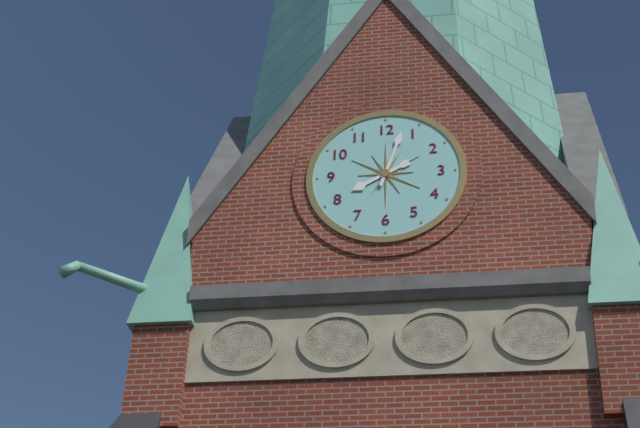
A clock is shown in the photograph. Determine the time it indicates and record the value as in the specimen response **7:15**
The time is **8:03**
